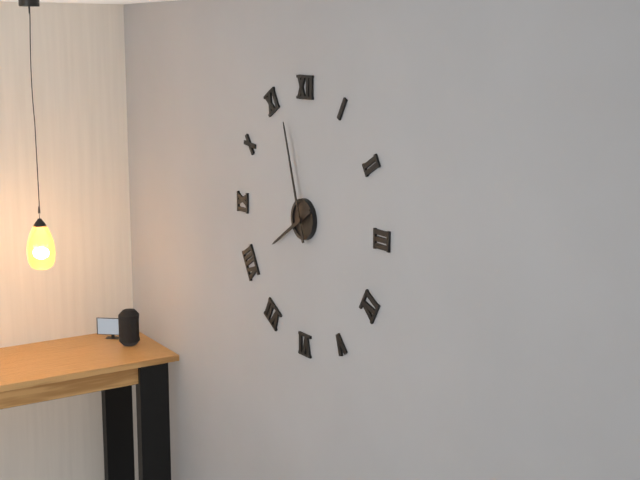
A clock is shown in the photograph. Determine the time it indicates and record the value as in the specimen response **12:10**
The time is **7:57**
